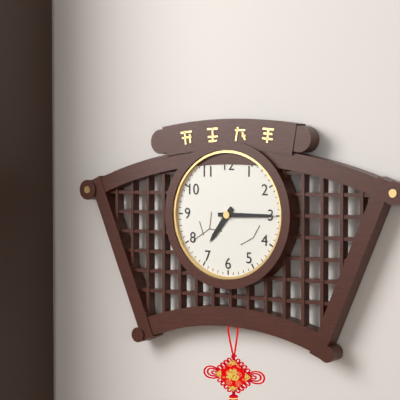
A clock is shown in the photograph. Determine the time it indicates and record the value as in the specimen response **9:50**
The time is **7:15**
